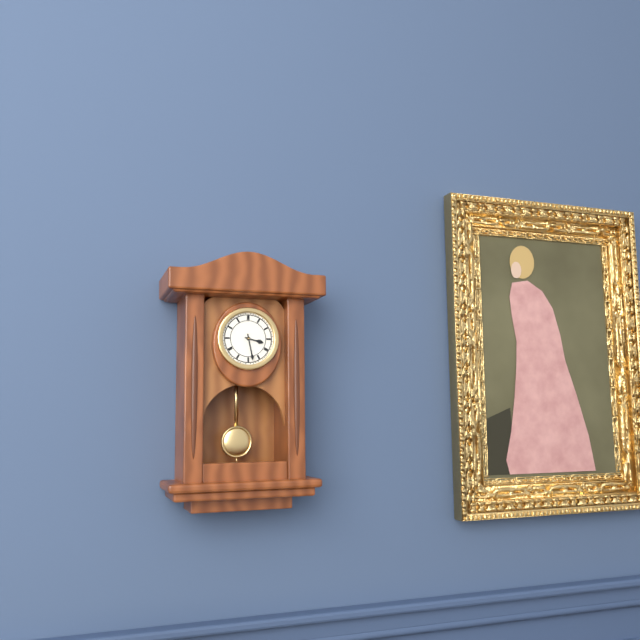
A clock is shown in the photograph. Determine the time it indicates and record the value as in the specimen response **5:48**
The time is **3:28**
